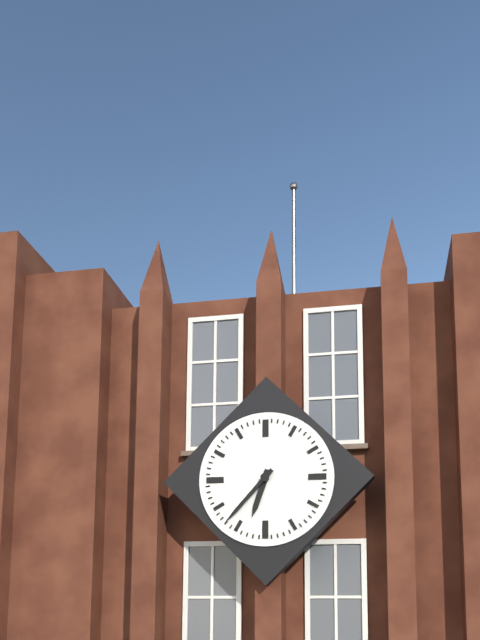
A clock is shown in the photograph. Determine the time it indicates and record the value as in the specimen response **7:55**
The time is **6:37**
